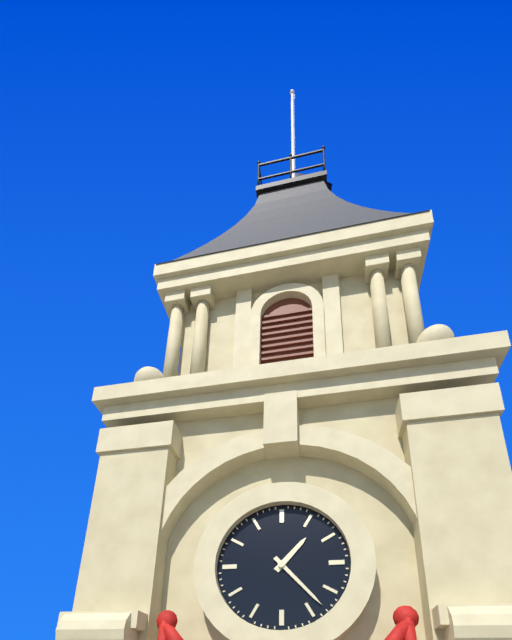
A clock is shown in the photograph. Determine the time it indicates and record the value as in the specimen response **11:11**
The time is **1:23**
